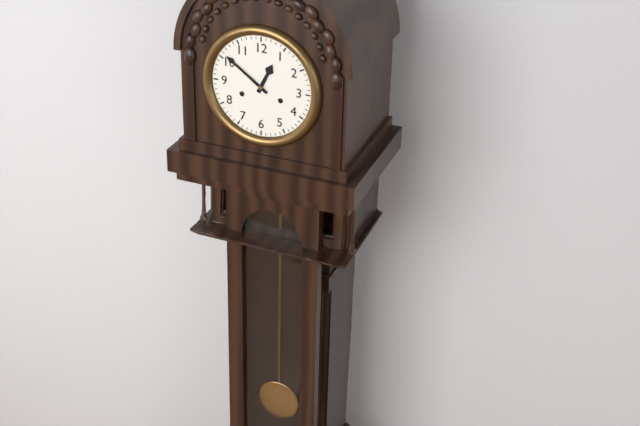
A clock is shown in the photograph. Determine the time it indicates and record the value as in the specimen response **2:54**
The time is **12:51**
